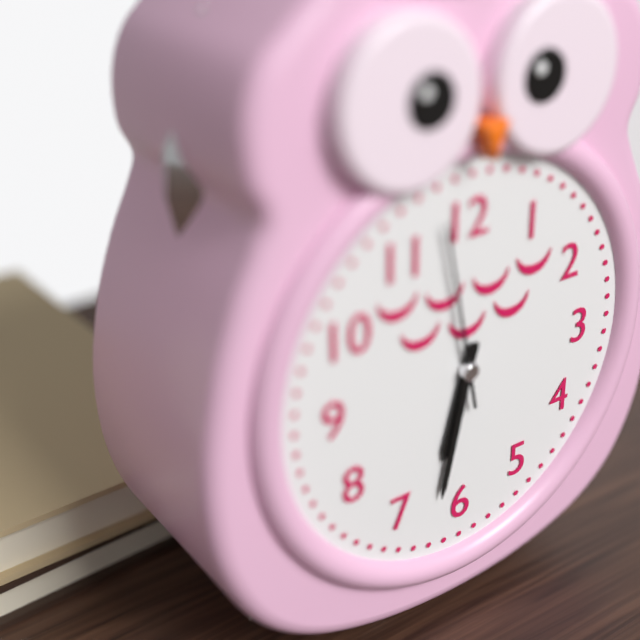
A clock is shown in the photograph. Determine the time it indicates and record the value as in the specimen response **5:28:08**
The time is **6:32:58**
